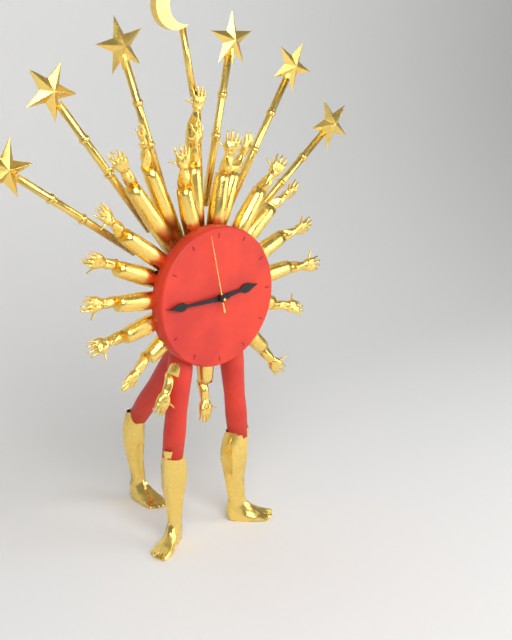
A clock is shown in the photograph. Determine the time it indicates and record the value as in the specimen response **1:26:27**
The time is **2:45:58**
